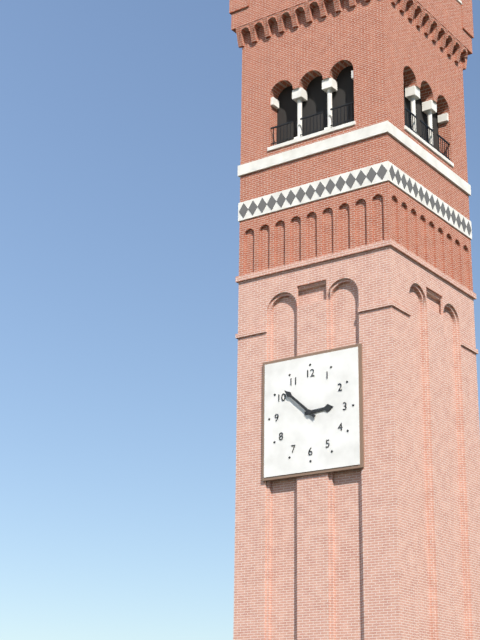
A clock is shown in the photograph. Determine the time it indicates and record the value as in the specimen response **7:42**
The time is **2:52**
